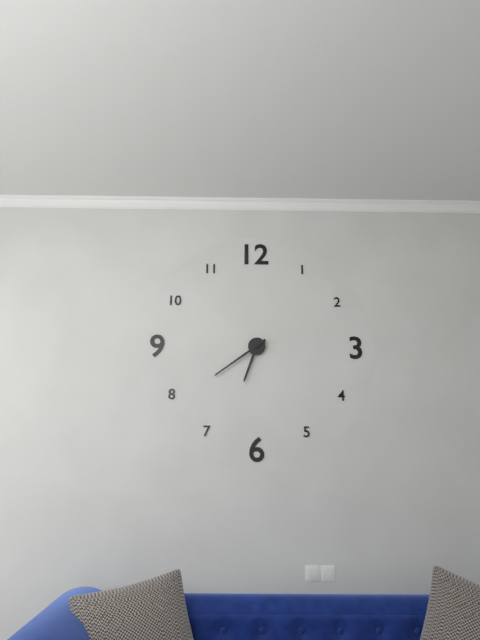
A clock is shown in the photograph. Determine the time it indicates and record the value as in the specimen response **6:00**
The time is **6:39**
